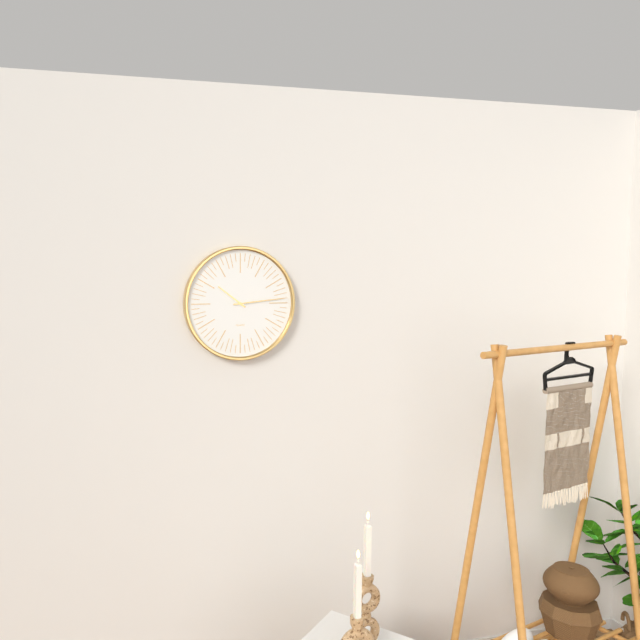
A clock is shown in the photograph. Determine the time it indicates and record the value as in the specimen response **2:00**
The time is **10:14**
